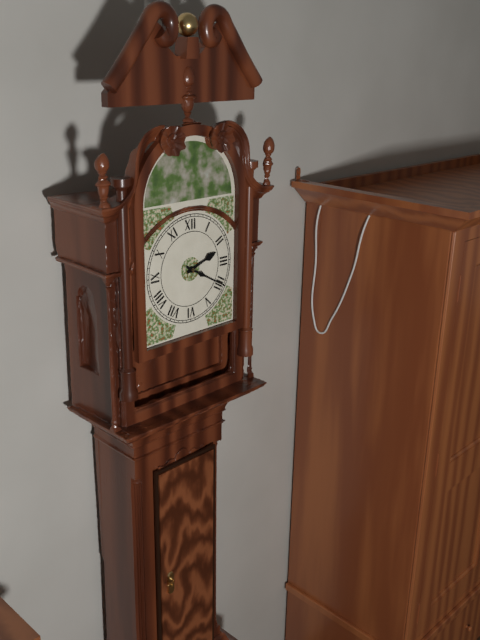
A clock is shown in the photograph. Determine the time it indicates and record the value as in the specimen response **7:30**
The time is **2:20**
